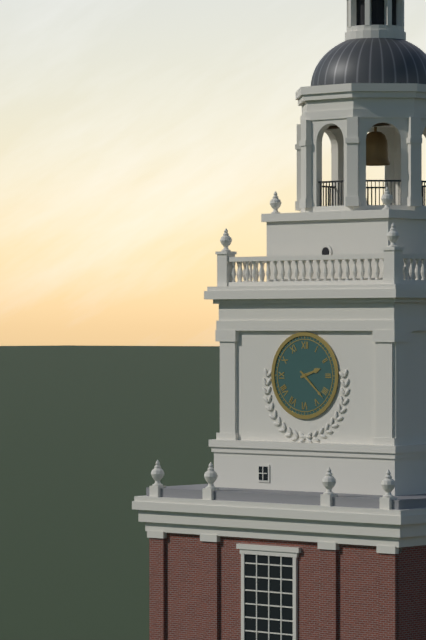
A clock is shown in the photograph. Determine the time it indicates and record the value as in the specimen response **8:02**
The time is **2:22**
